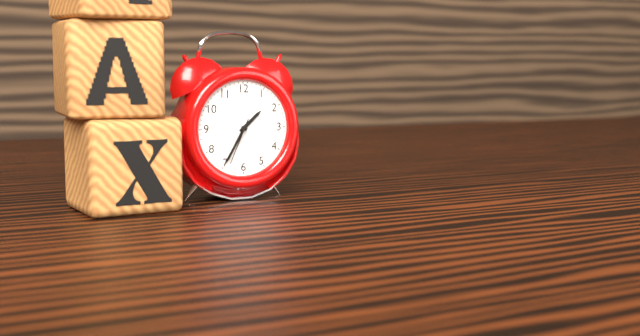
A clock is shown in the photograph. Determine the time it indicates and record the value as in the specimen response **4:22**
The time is **1:35**
